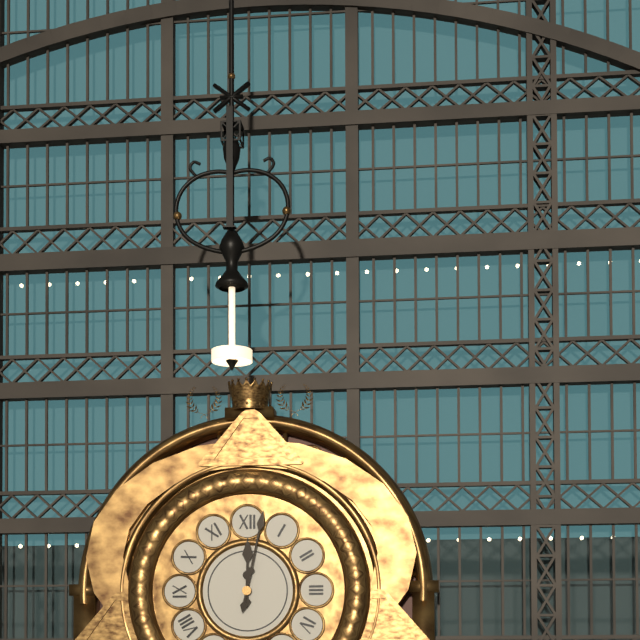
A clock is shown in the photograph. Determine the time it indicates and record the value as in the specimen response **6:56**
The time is **12:02**
